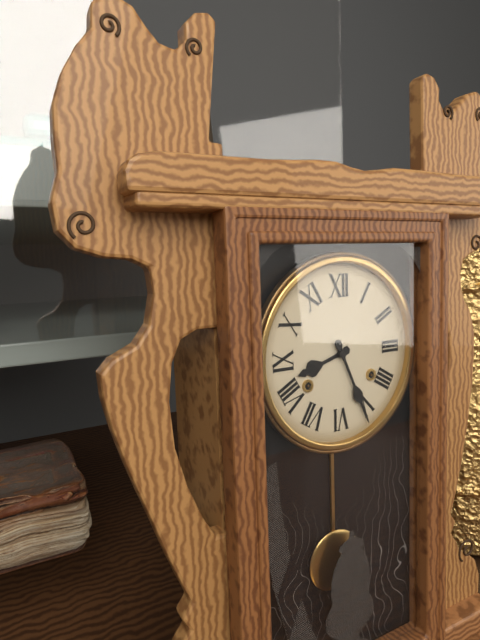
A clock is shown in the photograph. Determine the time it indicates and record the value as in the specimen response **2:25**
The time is **8:26**
